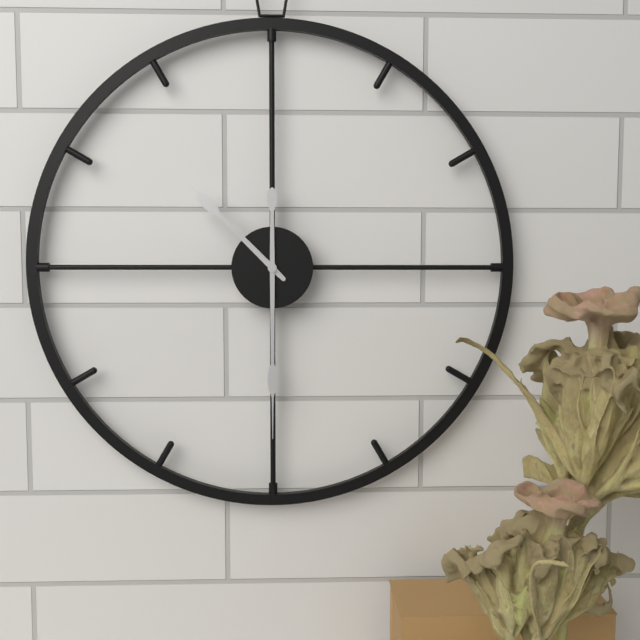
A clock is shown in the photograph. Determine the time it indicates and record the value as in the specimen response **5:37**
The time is **10:30**
